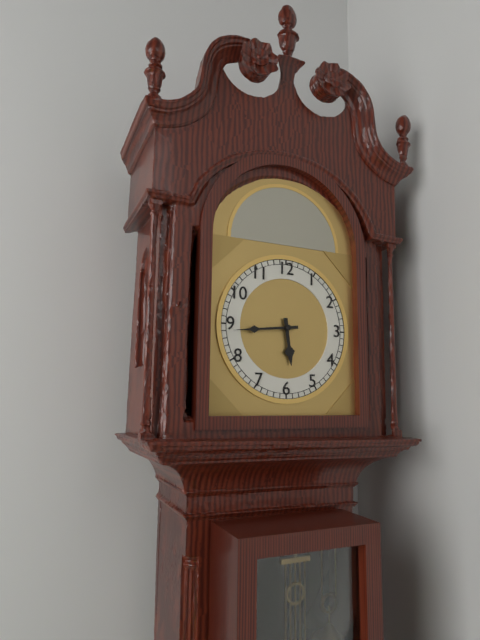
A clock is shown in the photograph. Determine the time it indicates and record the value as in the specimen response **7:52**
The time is **5:44**
